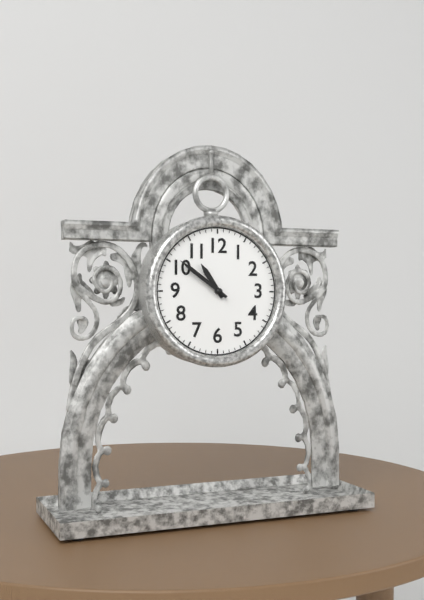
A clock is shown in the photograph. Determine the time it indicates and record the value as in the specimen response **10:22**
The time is **10:51**
